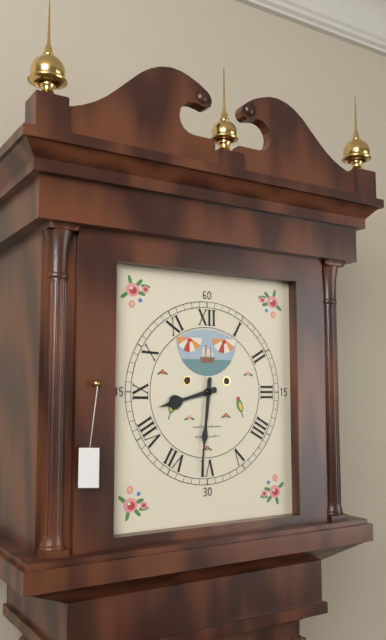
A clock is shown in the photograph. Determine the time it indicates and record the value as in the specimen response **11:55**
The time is **8:31**
